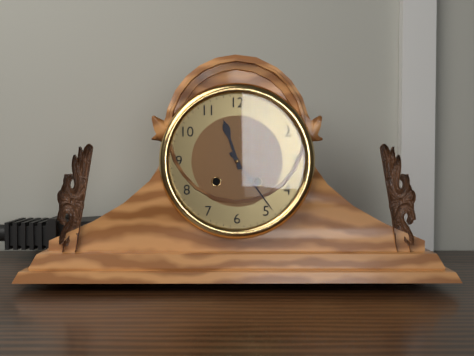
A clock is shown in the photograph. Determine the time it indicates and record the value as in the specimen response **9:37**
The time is **11:24**
